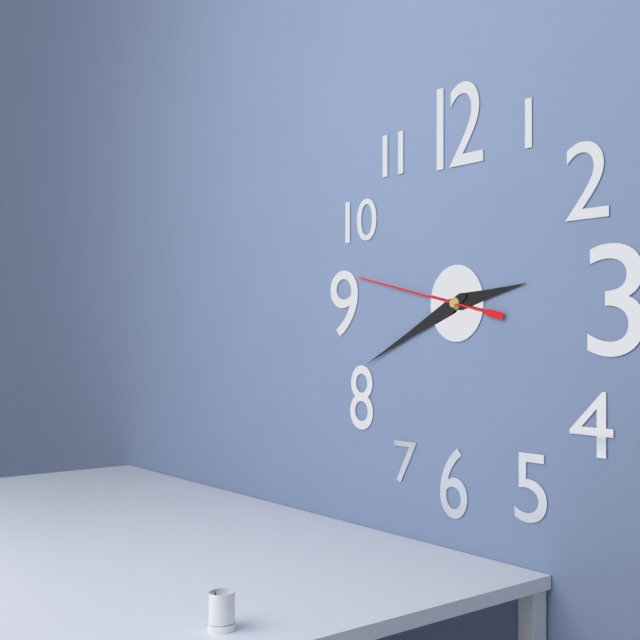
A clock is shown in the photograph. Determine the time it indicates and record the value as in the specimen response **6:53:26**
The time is **2:41:47**
